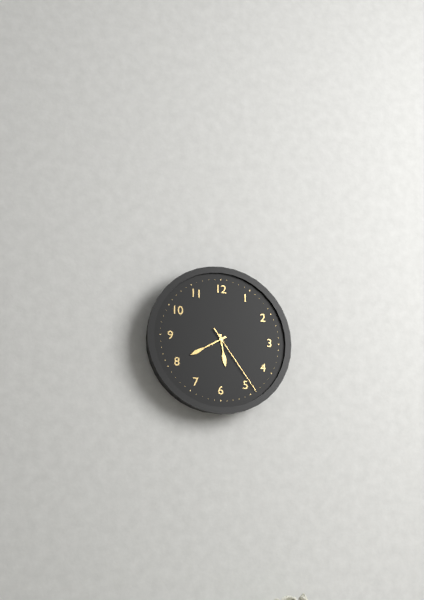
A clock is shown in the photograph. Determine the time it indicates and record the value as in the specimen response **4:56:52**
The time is **5:40:24**
